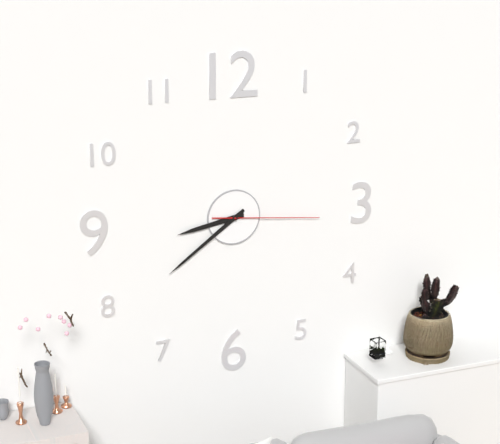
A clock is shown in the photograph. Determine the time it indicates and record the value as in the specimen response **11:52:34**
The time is **8:39:16**
